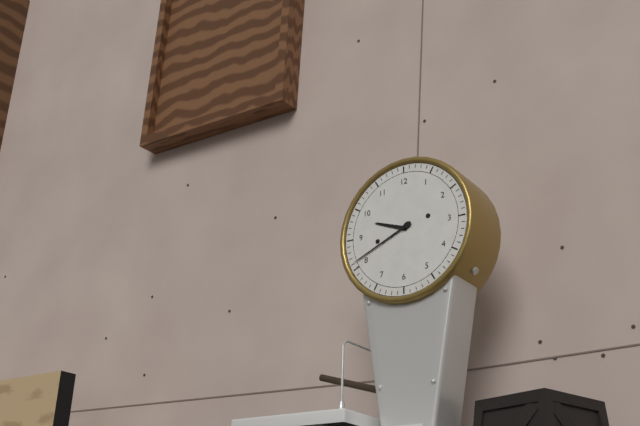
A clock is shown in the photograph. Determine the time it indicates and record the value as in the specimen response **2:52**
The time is **9:41**
